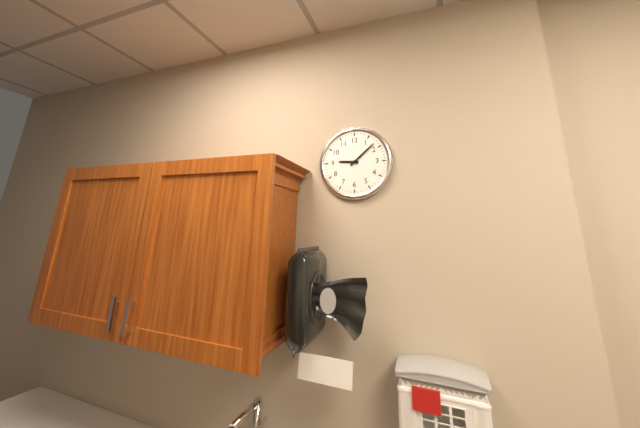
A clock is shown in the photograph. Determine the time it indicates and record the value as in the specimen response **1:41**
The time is **9:08**
